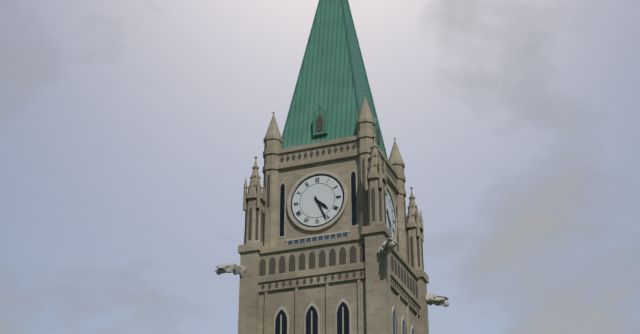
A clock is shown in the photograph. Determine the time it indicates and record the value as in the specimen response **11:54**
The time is **4:26**
